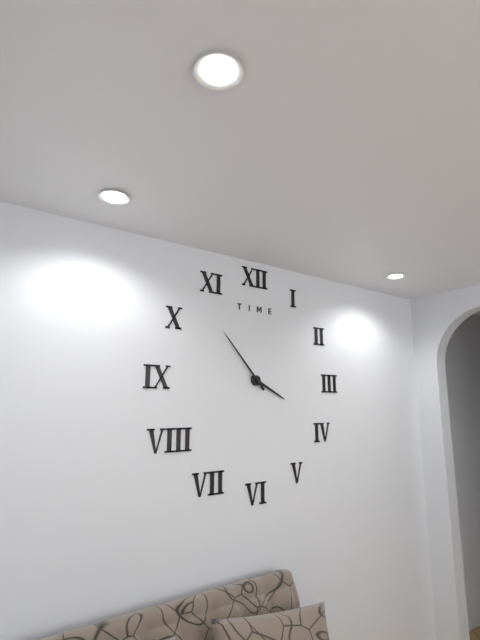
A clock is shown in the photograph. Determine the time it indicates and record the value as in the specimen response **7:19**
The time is **3:53**
